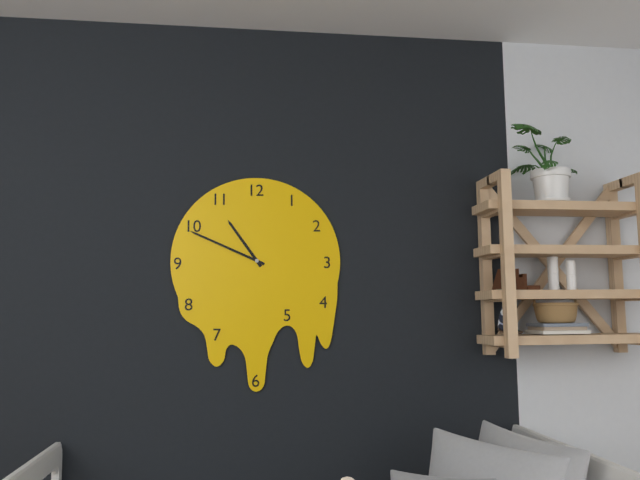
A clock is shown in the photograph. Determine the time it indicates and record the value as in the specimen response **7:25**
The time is **10:49**
